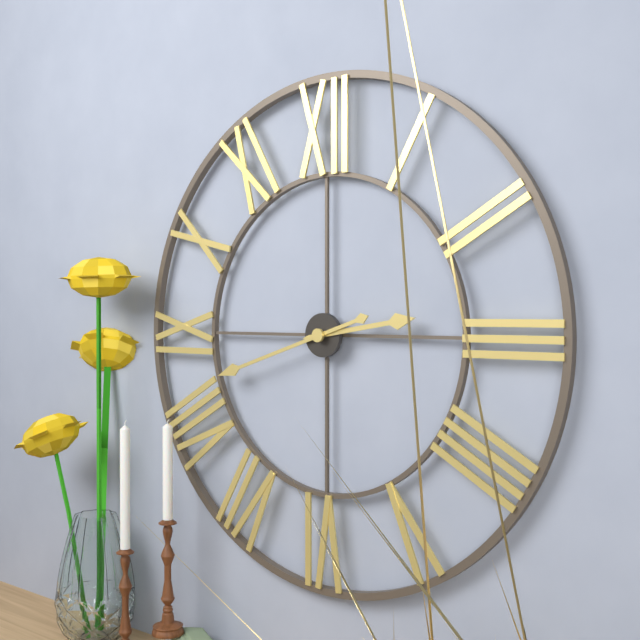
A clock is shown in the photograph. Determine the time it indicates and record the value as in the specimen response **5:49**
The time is **2:42**
